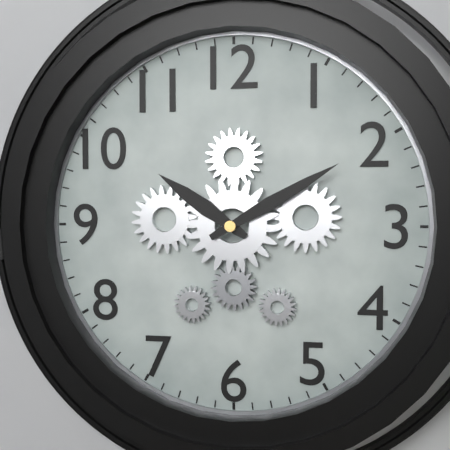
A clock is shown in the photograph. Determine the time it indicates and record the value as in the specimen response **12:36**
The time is **10:10**
